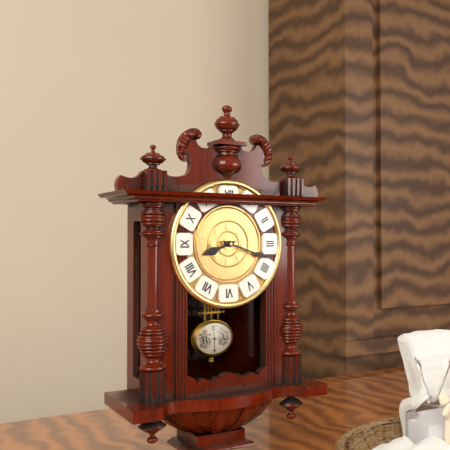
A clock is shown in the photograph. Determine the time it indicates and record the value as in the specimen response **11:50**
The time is **8:18**
